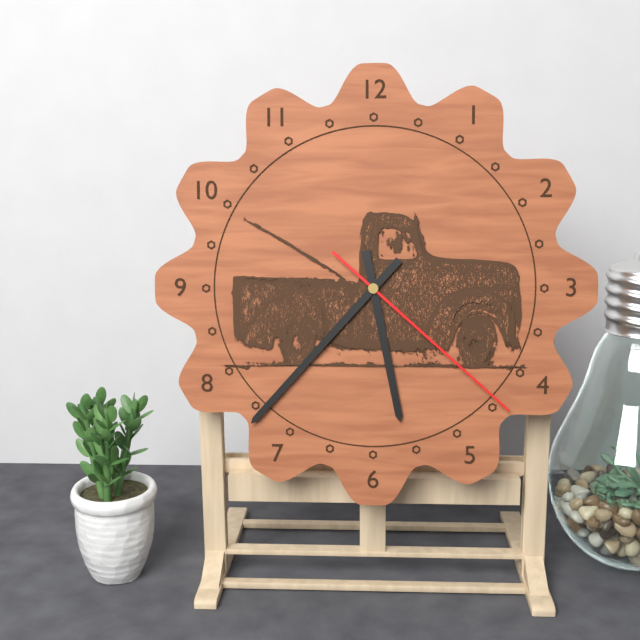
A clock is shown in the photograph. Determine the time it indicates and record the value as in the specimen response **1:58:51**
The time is **5:37:22**
